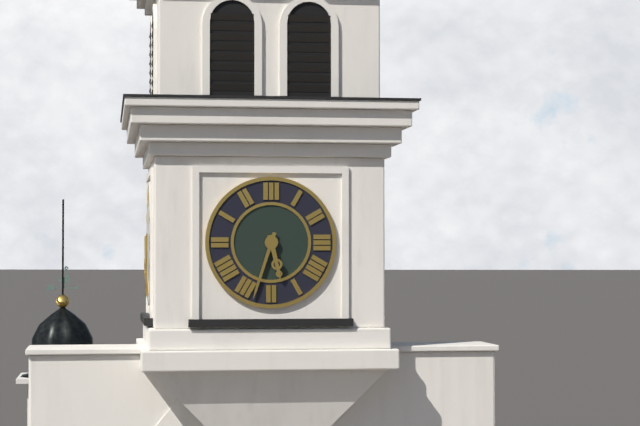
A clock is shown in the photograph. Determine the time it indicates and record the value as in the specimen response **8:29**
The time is **5:33**
